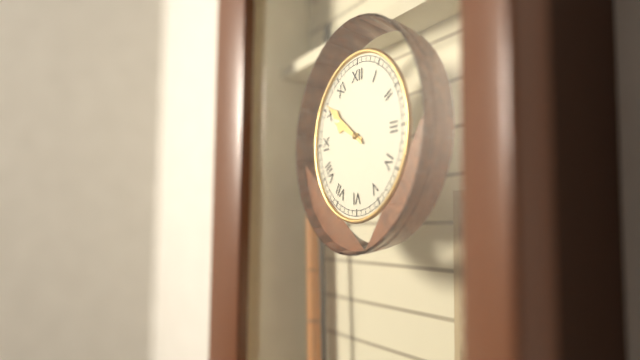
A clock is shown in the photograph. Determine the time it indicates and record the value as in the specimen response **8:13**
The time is **9:51**
